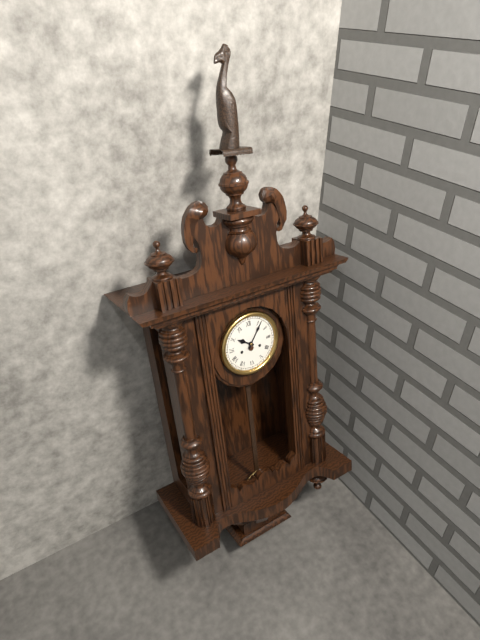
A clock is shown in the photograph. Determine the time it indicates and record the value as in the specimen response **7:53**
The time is **10:06**
